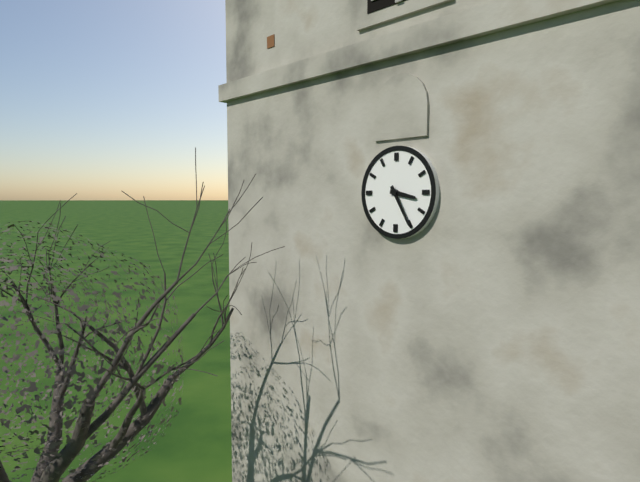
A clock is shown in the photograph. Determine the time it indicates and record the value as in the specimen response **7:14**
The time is **3:25**
